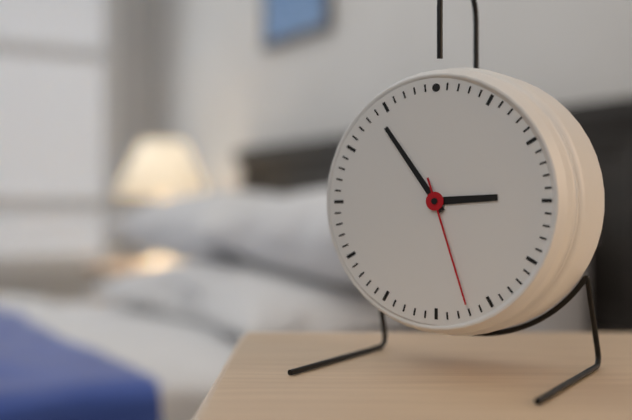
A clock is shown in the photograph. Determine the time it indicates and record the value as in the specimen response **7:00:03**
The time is **2:54:27**
